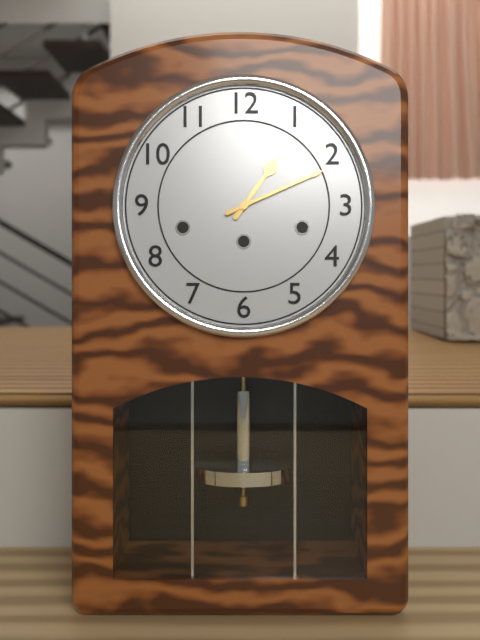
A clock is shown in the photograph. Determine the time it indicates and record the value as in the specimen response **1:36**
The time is **1:11**
